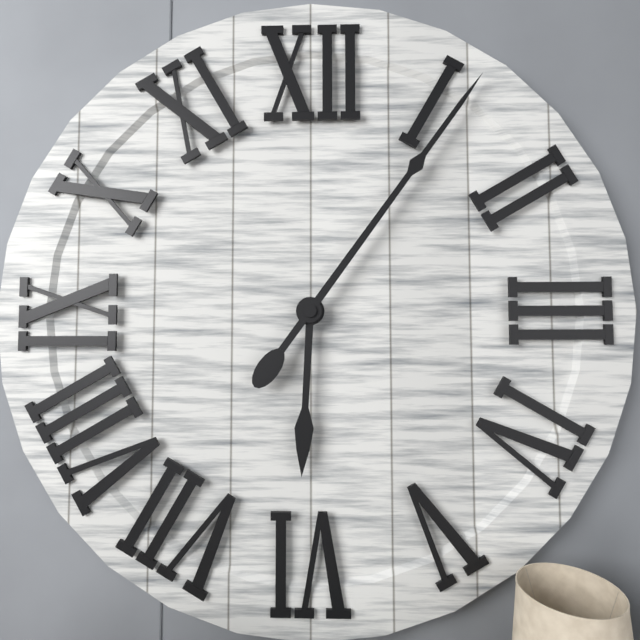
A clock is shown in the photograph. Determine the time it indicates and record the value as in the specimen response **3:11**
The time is **6:06**
